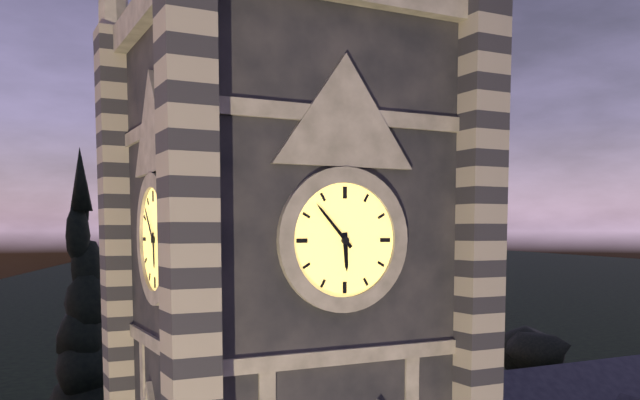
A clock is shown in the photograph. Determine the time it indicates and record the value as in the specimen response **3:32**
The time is **5:53**
